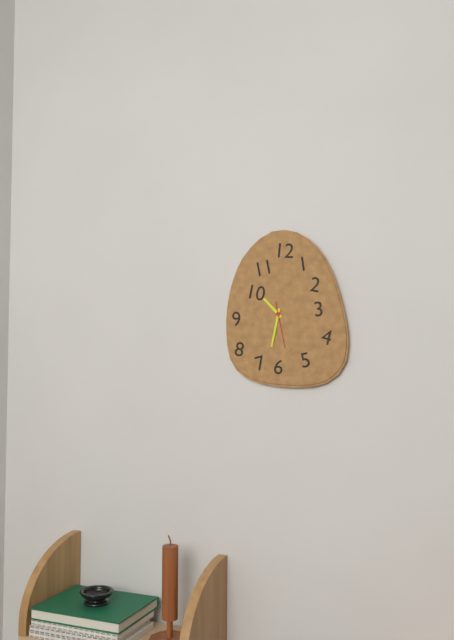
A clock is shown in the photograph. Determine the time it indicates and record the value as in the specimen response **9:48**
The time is **10:32**
